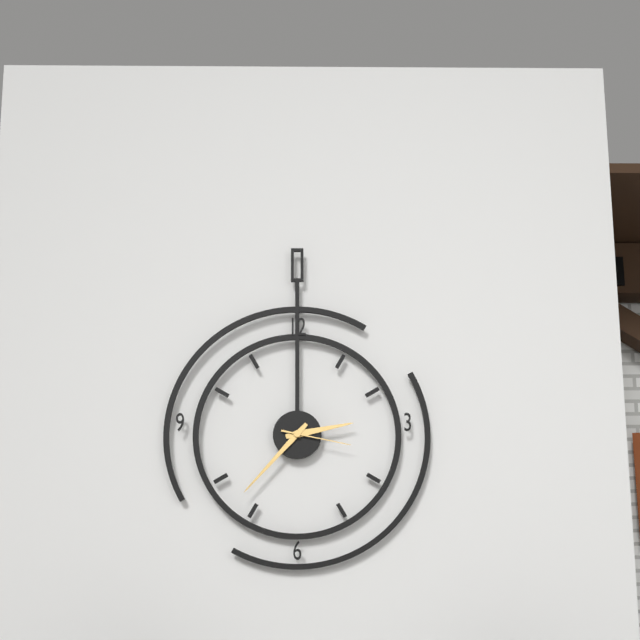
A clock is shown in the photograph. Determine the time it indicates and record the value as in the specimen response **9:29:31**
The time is **2:37:17**
